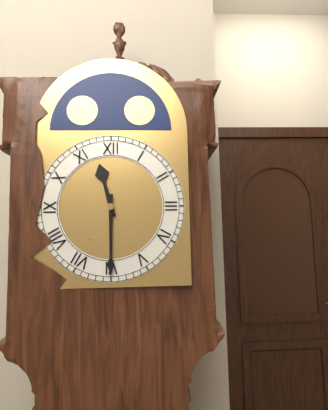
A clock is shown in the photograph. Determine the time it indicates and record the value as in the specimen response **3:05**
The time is **11:30**
